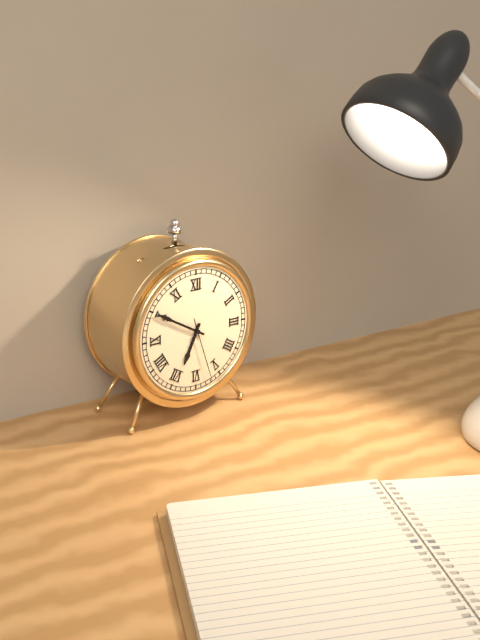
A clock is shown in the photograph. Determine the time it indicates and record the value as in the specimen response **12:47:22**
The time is **6:50:27**
